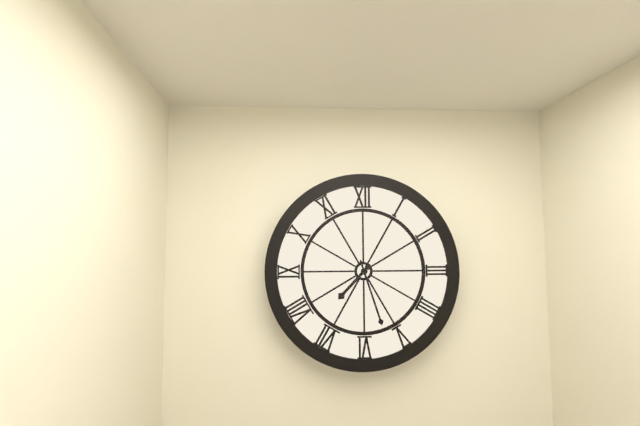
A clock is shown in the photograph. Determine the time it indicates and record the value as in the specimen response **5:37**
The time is **7:27**
